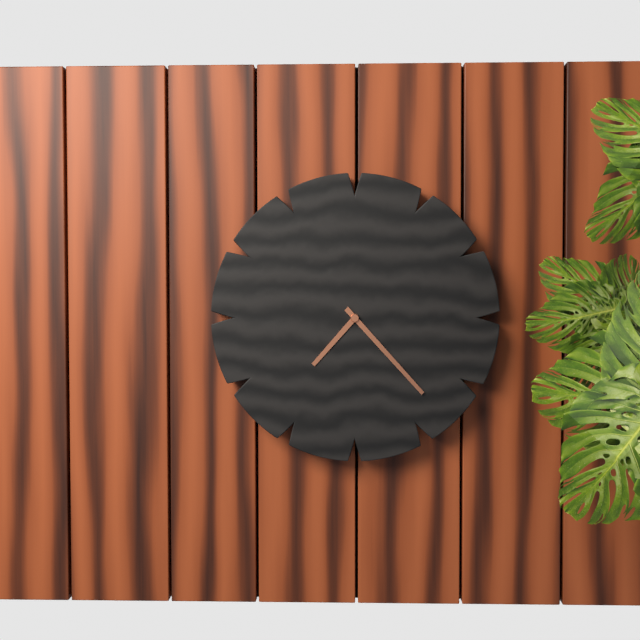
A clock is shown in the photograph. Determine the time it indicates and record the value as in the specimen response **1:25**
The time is **7:23**
